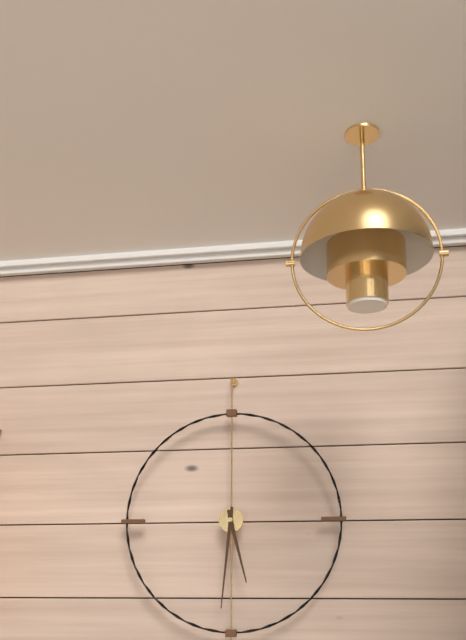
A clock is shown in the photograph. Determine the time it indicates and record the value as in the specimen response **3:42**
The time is **5:31**
